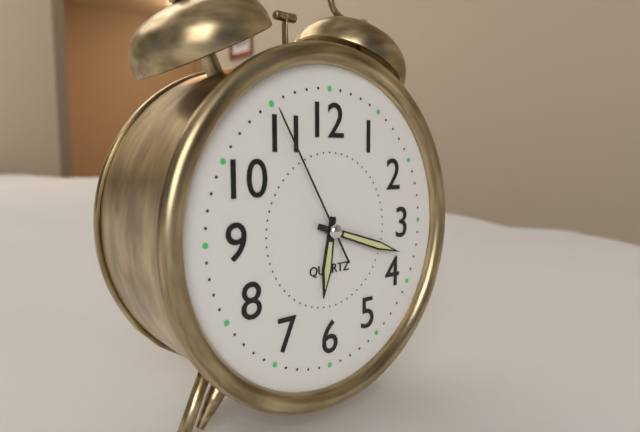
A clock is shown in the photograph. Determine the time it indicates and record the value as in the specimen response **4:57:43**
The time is **6:18:55**
